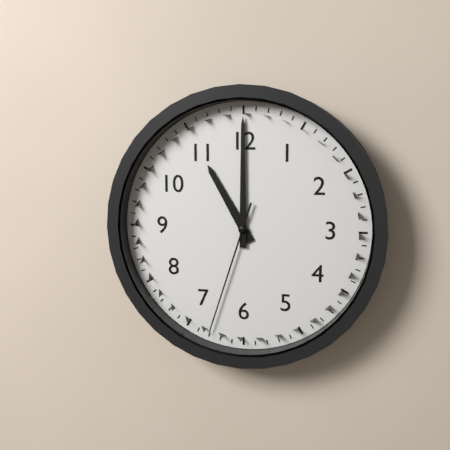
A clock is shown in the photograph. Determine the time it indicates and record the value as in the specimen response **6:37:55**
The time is **11:00:33**
